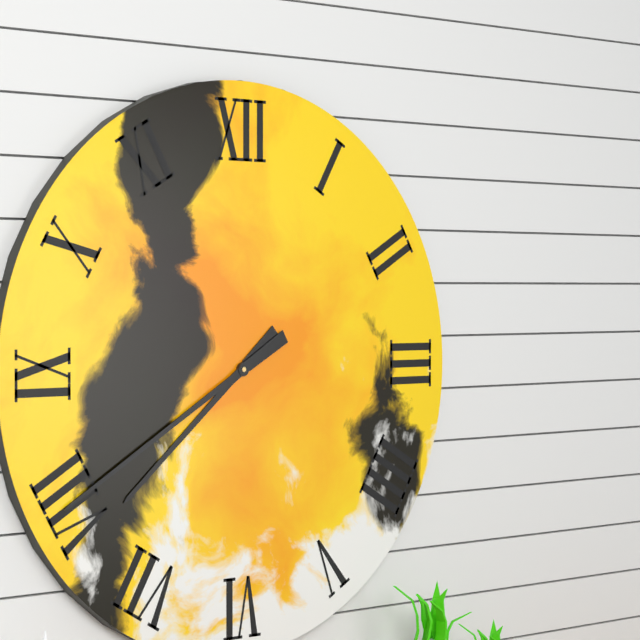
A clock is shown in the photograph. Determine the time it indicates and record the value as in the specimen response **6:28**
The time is **7:40**
